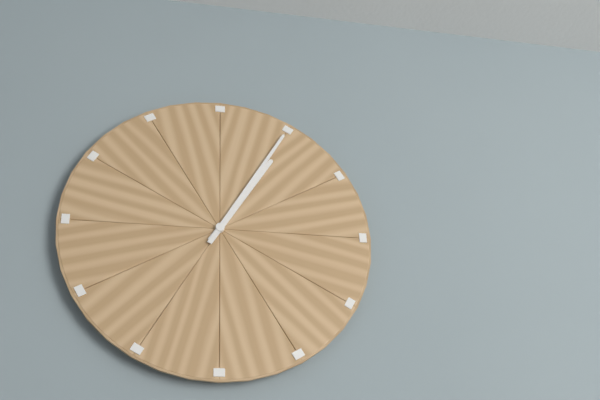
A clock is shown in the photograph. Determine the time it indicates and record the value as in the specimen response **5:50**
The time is **1:05**
